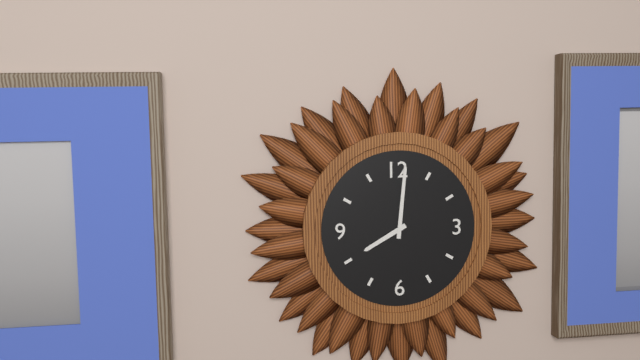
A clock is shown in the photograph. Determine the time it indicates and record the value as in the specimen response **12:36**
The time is **8:01**
